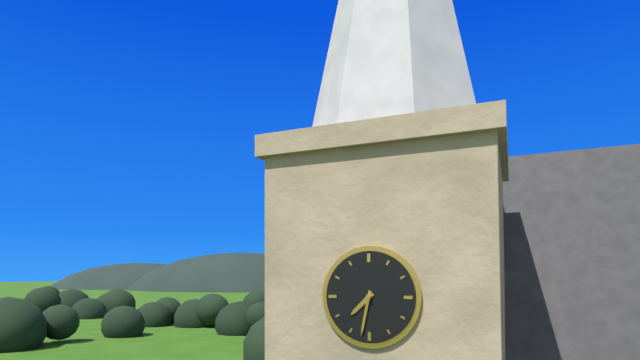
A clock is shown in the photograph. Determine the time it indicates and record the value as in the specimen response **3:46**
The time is **7:32**
